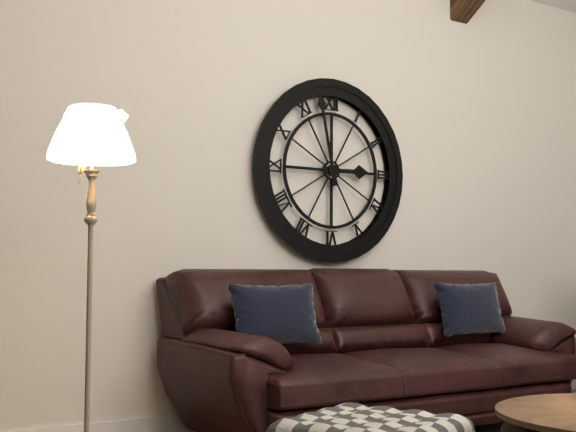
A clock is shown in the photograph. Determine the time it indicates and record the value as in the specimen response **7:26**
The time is **2:58**
